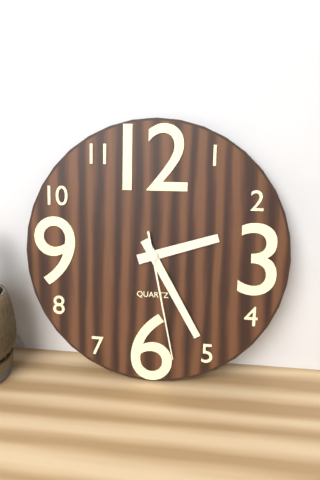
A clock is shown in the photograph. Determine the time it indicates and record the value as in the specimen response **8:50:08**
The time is **2:25:28**
